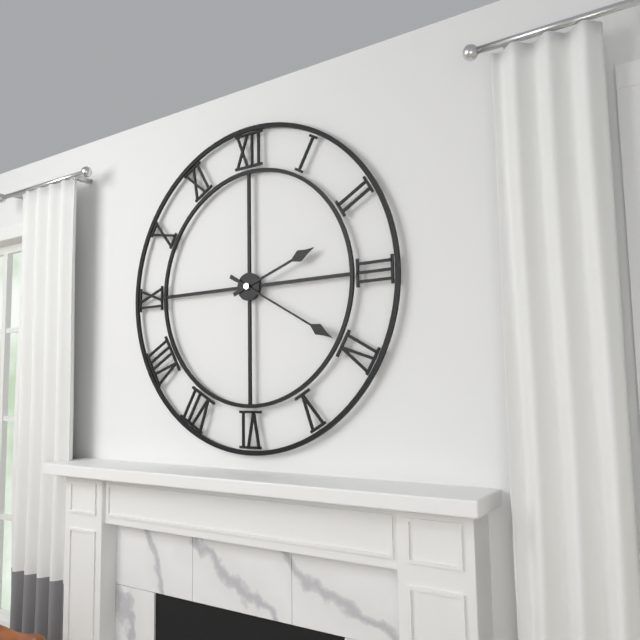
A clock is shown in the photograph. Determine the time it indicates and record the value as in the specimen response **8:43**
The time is **2:20**
